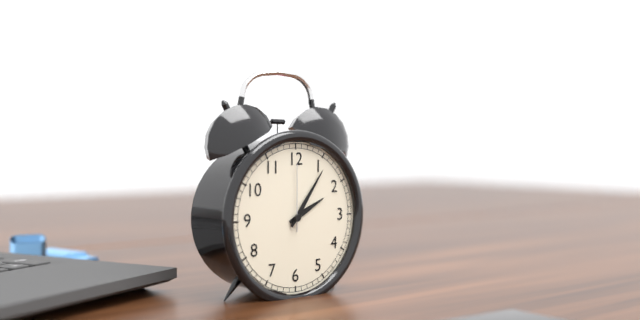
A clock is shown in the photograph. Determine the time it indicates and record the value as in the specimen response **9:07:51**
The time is **2:06:00**
